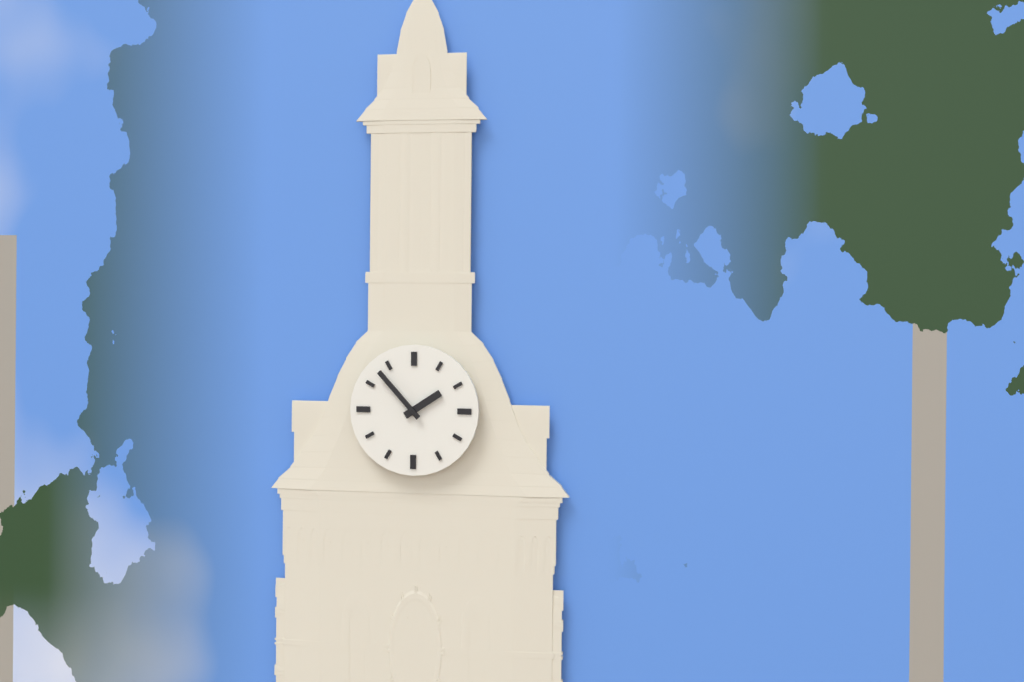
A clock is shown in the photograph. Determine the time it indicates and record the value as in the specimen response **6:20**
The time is **1:53**
